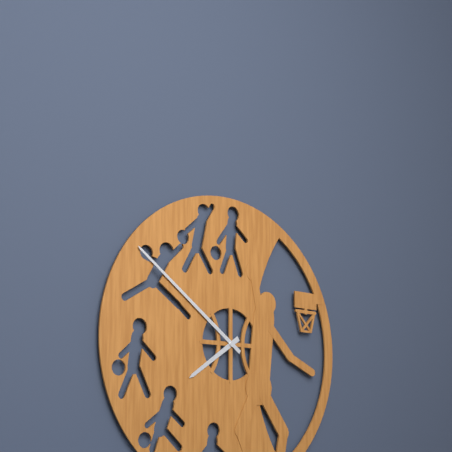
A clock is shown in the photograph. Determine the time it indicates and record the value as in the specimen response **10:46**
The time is **7:51**
